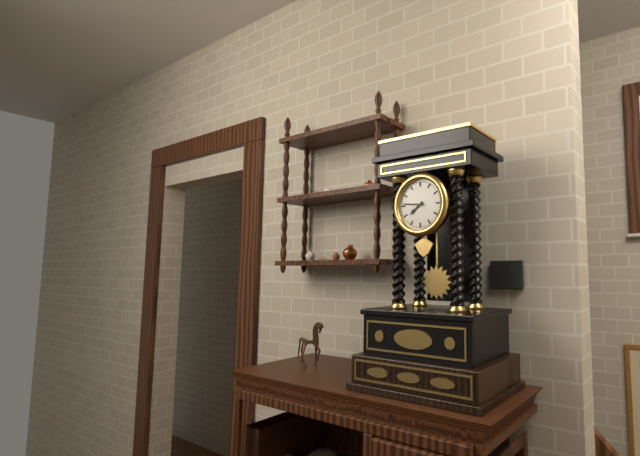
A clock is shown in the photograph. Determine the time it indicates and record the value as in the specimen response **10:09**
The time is **7:46**
